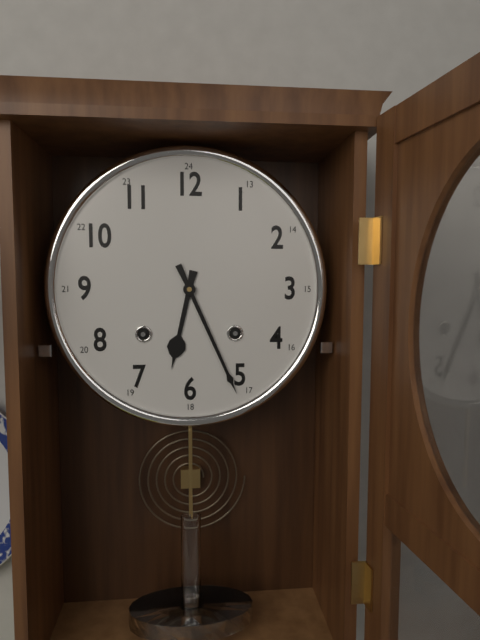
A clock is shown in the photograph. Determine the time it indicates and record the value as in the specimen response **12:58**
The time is **6:26**
